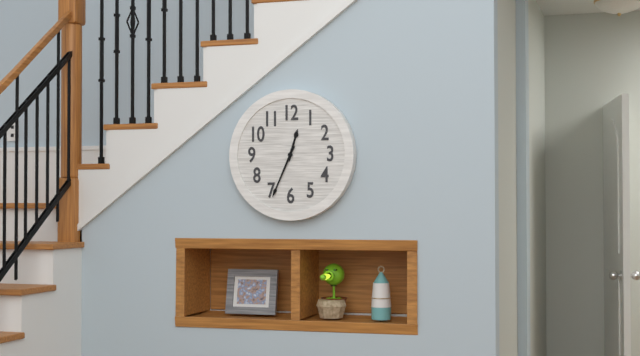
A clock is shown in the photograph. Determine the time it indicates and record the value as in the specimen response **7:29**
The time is **12:34**
